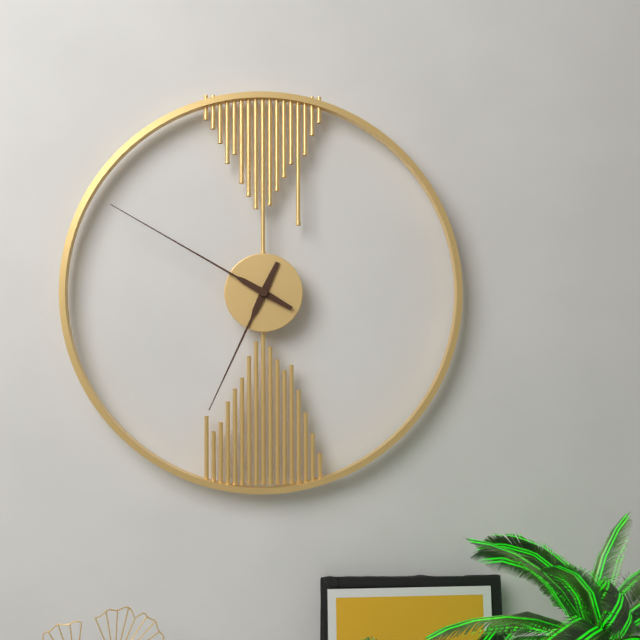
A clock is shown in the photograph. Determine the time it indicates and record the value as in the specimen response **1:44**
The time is **6:50**
